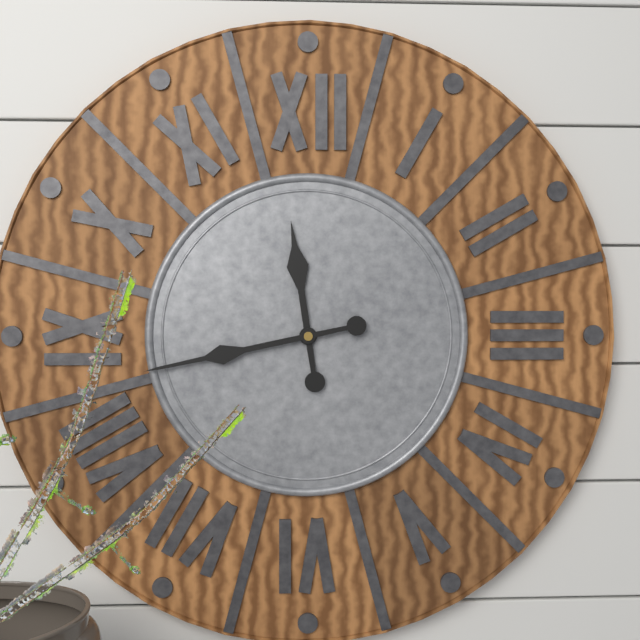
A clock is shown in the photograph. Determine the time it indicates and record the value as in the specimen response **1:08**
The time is **11:43**
